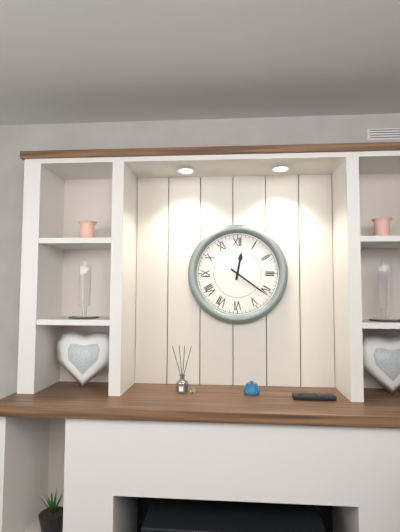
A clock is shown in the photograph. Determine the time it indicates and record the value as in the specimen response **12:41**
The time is **12:21**
